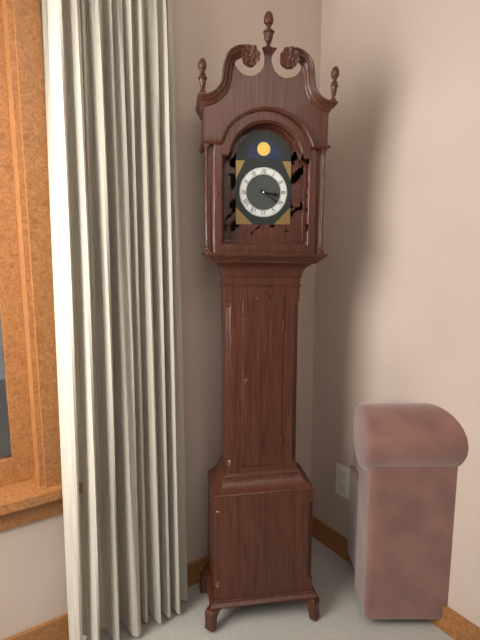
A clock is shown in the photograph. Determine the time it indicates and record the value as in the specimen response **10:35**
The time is **3:21**
